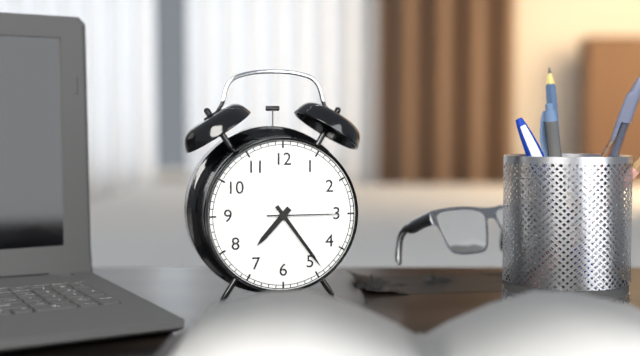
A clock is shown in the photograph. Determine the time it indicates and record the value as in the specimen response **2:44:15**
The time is **7:24:15**
